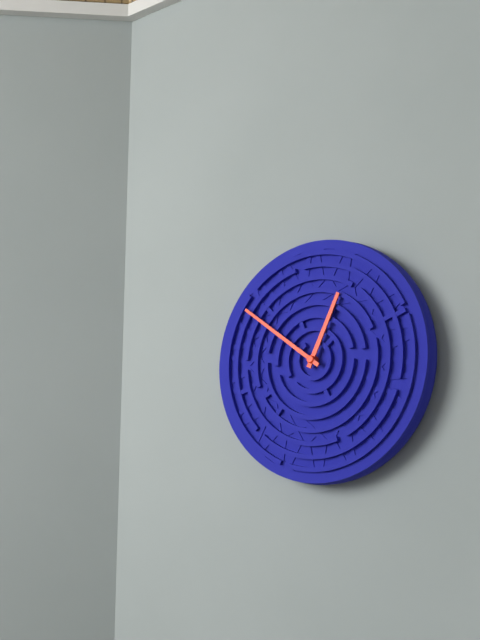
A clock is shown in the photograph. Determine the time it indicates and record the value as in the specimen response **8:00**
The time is **12:51**
